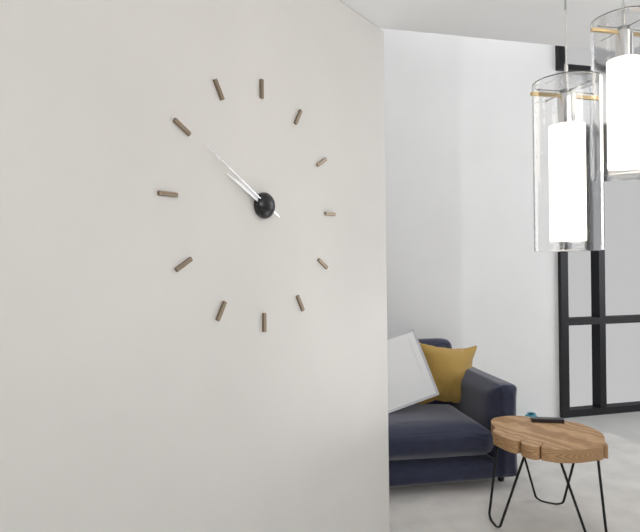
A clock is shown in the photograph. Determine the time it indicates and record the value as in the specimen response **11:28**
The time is **9:50**
